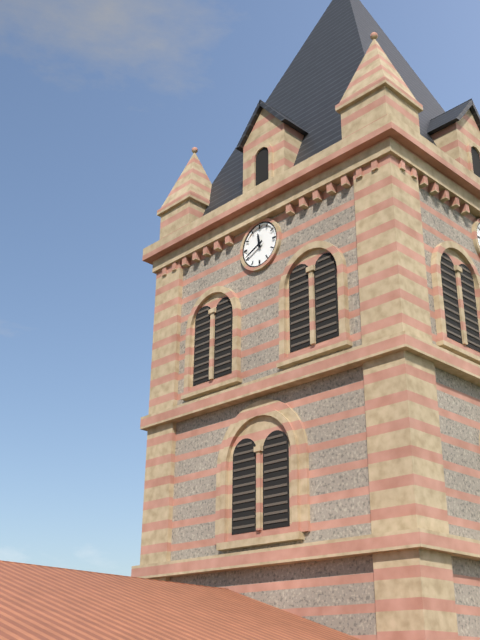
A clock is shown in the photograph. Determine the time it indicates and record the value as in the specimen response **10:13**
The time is **11:41**
